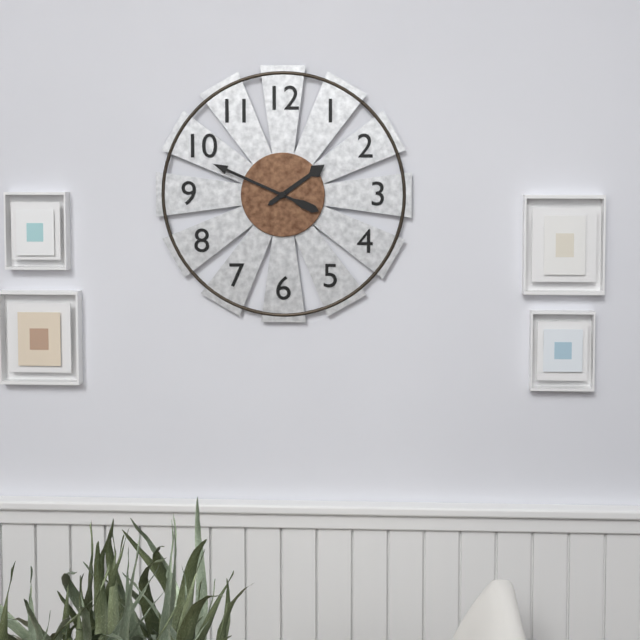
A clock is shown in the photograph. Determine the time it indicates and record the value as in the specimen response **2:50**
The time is **1:49**
